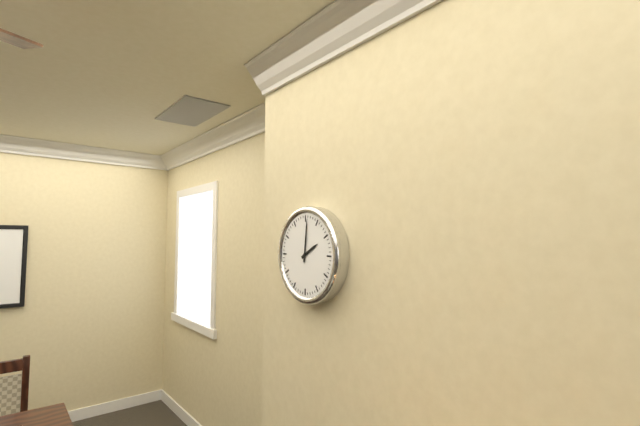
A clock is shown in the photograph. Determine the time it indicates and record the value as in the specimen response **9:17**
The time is **2:01**
